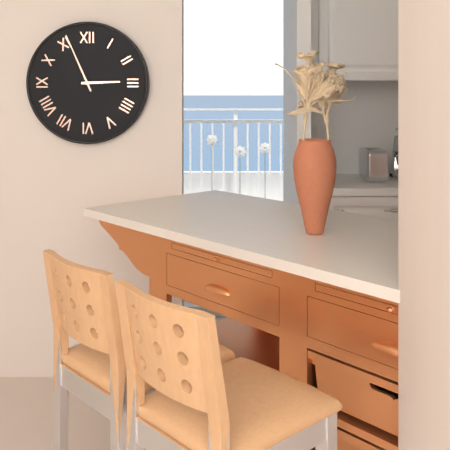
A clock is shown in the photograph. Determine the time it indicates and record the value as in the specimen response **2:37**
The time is **2:56**
